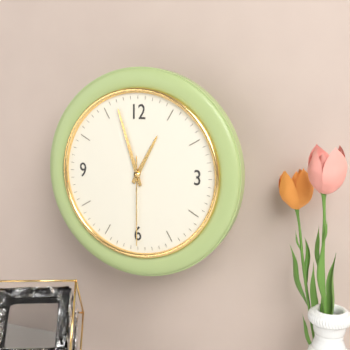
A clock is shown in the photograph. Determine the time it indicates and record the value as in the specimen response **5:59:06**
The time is **12:57:30**
